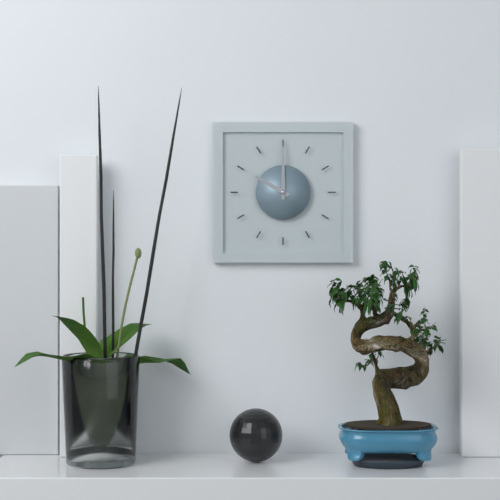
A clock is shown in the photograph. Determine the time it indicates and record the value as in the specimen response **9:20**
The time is **10:00**
